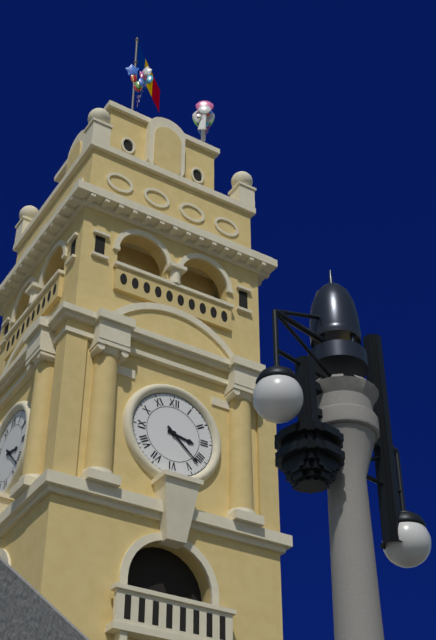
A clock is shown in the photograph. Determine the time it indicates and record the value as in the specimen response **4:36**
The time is **3:22**
